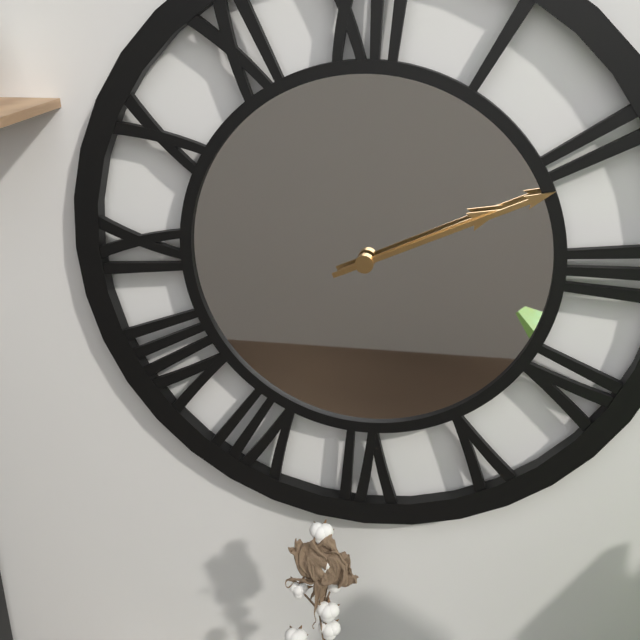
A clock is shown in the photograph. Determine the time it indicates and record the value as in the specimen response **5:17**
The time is **2:11**
